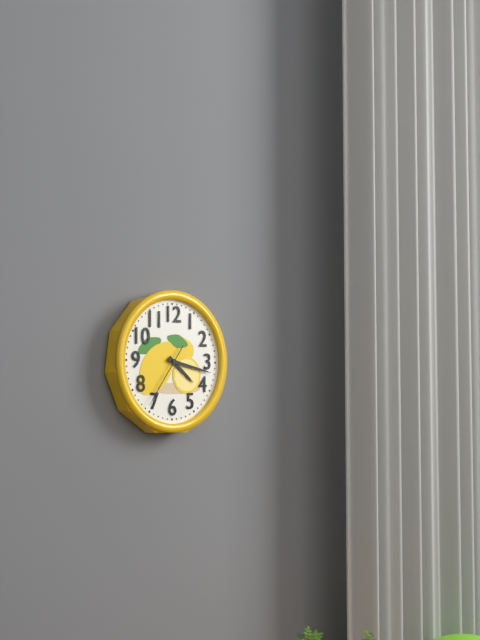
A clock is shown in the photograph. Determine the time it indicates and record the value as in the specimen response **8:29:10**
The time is **4:17:36**
